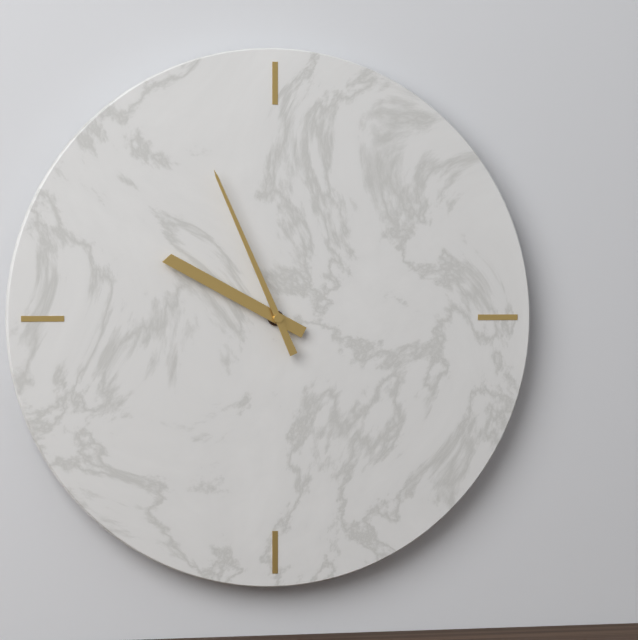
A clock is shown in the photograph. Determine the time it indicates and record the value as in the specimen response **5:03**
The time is **9:56**
